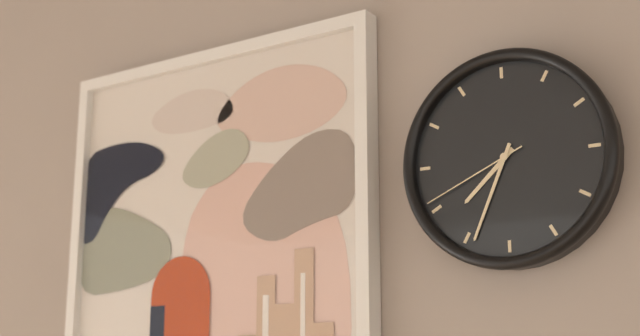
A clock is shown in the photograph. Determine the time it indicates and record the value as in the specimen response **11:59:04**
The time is **7:34:41**
